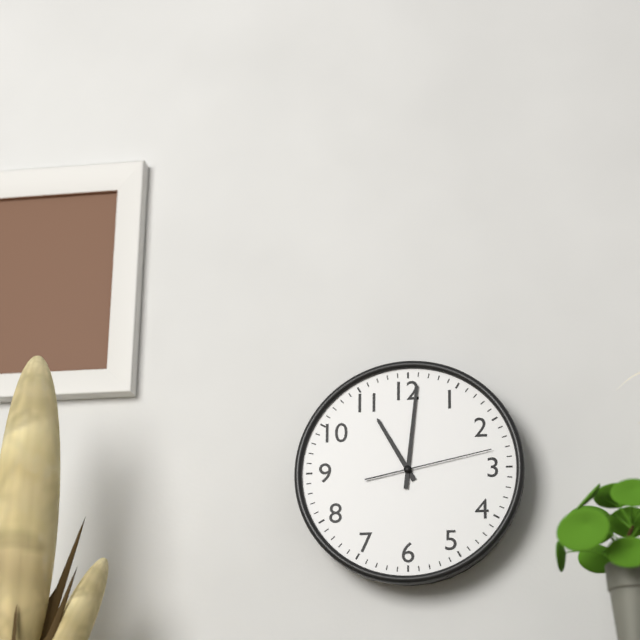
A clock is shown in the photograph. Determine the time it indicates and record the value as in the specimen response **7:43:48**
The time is **11:01:13**
